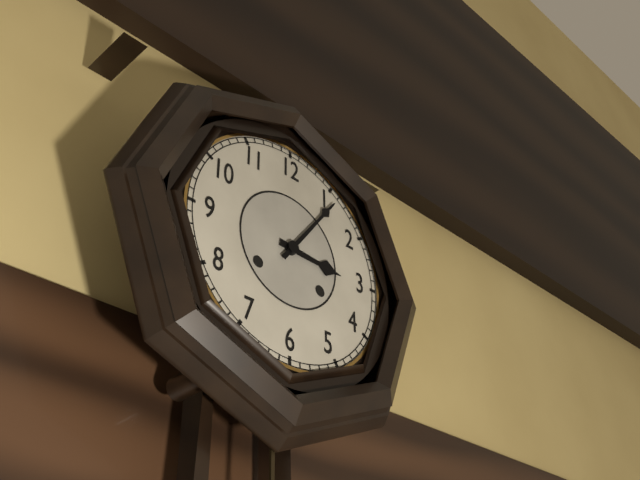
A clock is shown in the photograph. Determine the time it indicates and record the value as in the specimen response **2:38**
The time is **3:06**
